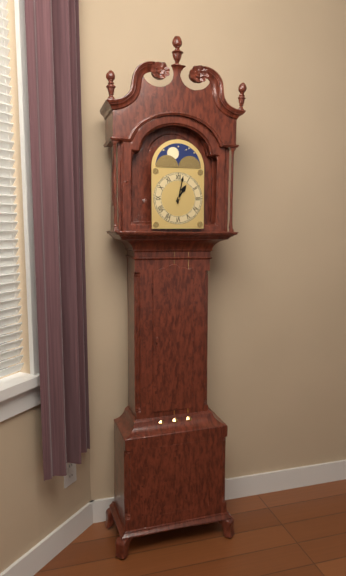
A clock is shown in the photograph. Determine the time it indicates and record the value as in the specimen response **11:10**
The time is **1:02**
